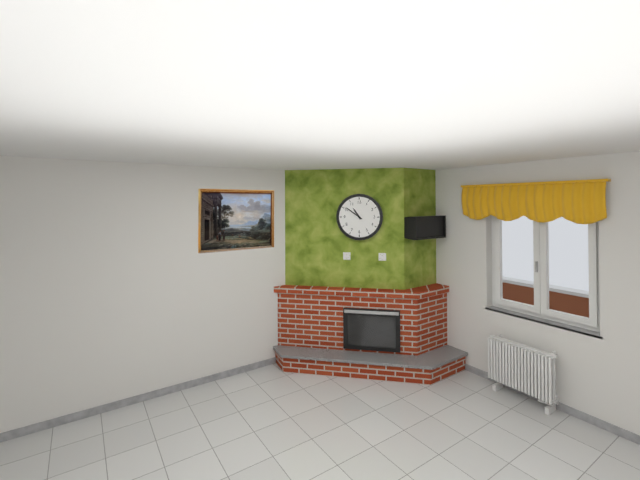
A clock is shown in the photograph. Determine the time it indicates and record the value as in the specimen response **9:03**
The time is **10:51**
